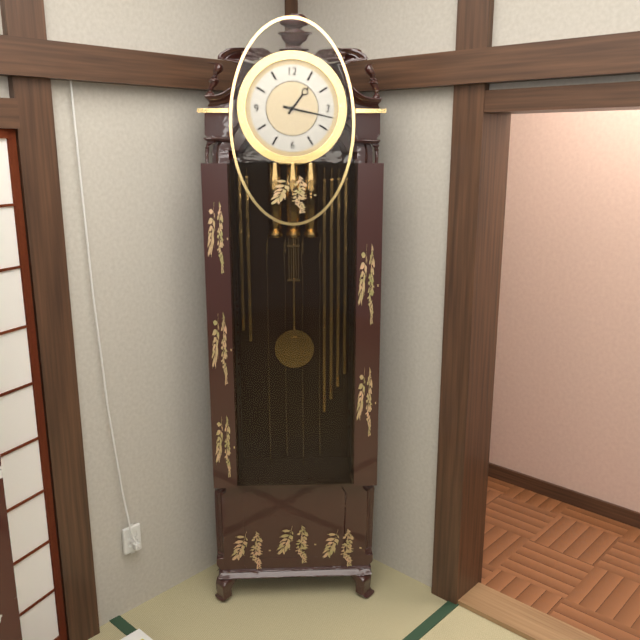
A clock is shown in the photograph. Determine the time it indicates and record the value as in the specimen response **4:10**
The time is **1:17**
